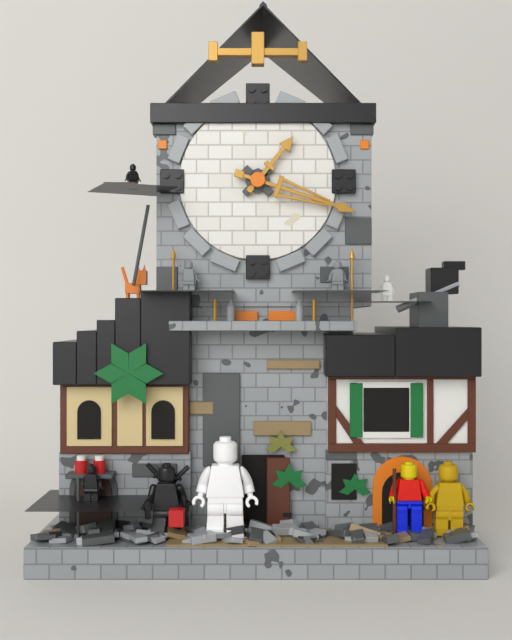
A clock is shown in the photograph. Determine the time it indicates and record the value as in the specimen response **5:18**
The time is **1:18**
